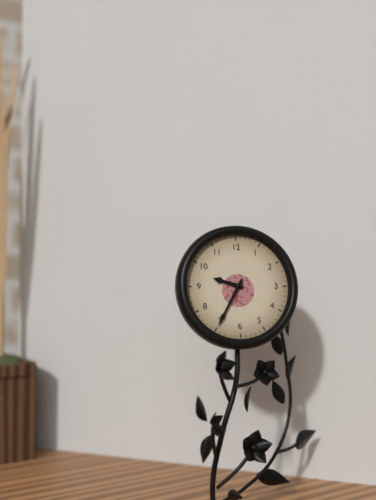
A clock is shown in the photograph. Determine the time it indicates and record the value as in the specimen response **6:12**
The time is **9:35**
